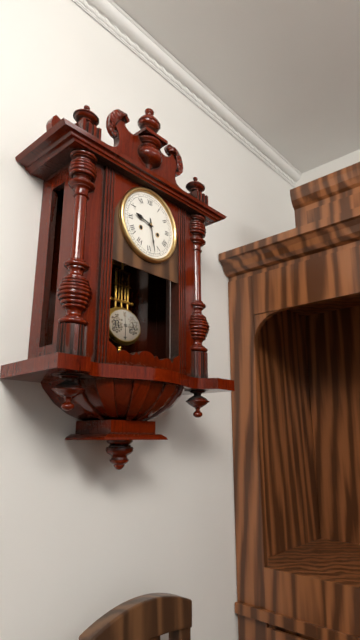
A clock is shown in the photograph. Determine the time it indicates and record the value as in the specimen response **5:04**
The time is **9:28**
